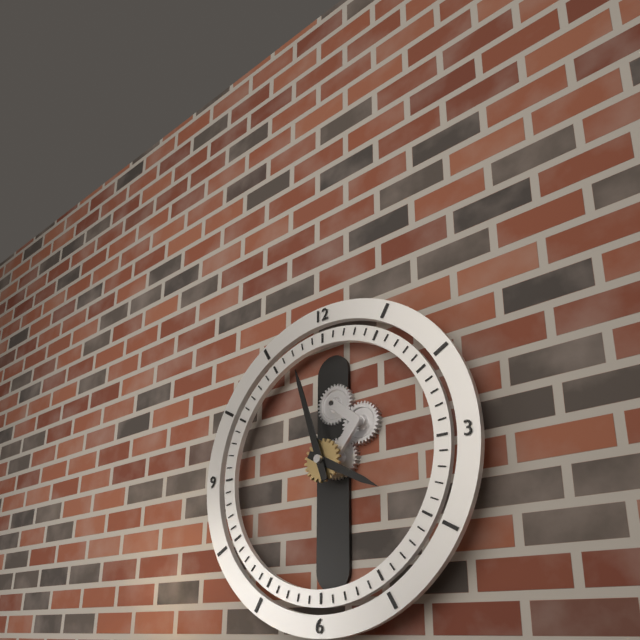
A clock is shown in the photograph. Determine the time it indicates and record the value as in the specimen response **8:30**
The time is **3:57**
